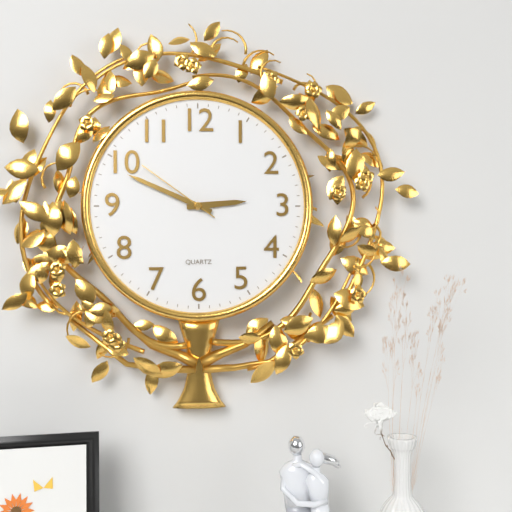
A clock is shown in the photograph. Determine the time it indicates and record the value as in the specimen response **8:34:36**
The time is **2:49:51**
